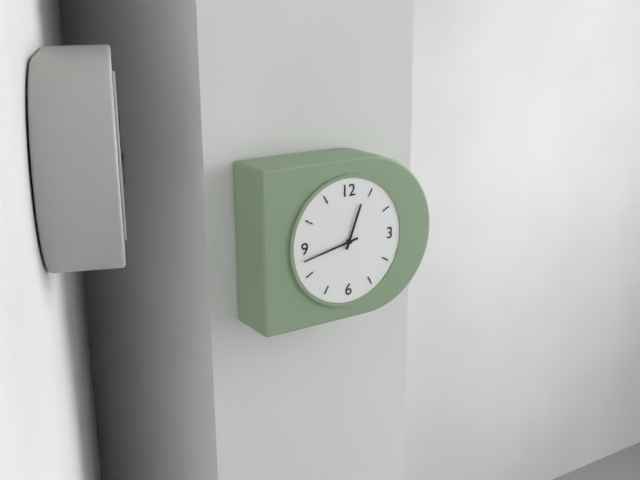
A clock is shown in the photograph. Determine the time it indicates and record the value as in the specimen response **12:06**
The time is **12:43**
